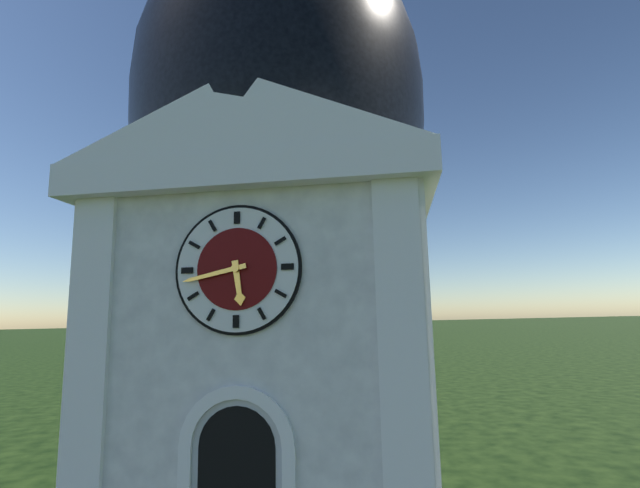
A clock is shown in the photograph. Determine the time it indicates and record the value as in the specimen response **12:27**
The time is **5:43**
